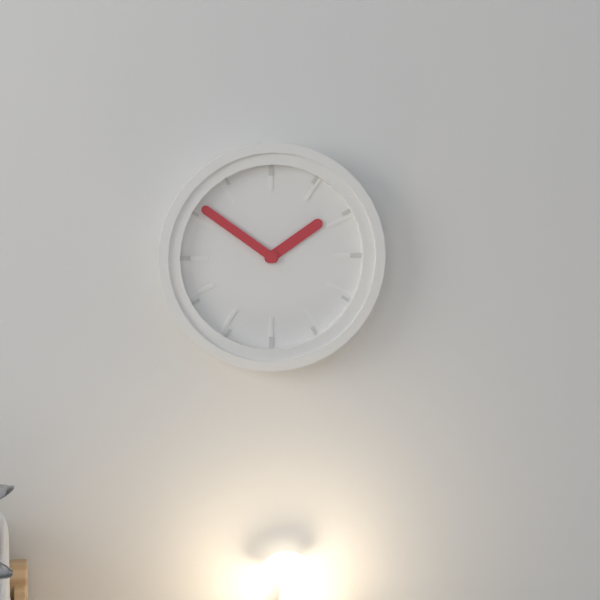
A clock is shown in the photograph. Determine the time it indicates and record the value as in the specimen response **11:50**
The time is **1:51**
